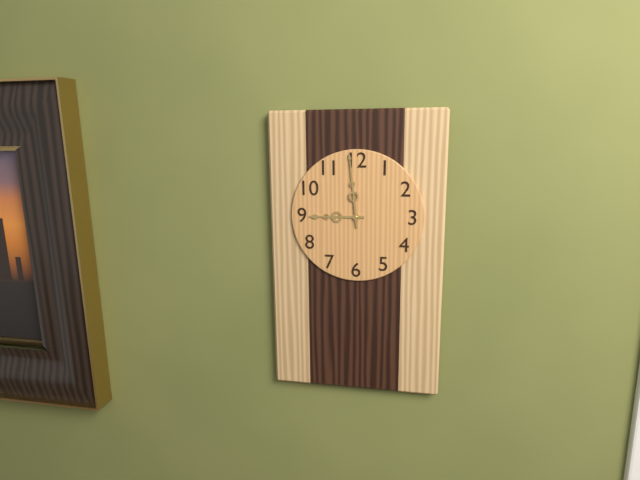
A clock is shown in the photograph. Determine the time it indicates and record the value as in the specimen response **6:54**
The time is **8:59**
